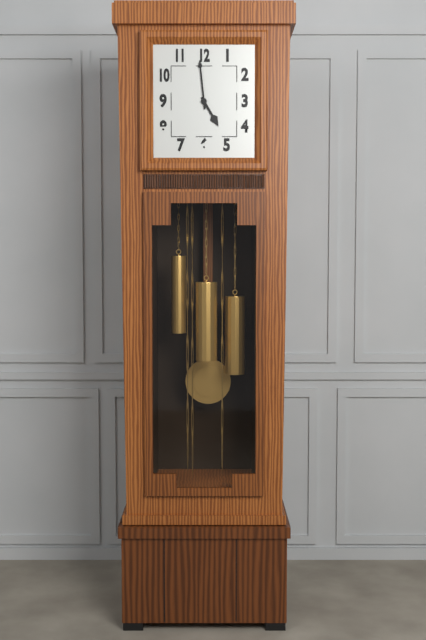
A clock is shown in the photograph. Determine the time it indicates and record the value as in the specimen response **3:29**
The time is **4:59**
